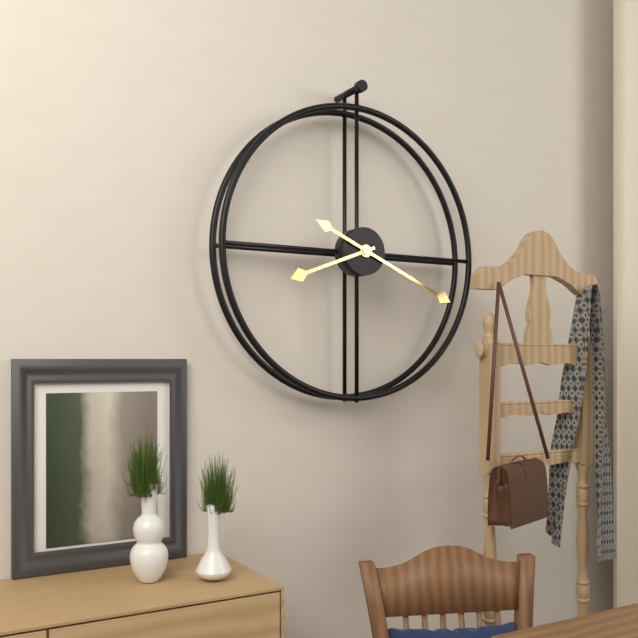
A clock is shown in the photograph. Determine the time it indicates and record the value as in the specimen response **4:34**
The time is **8:19**
